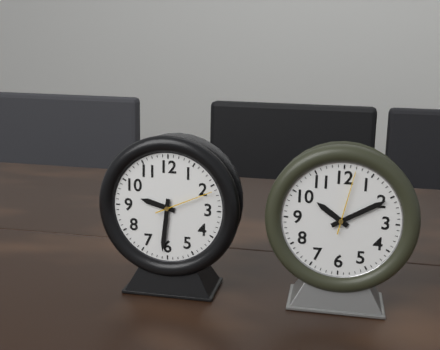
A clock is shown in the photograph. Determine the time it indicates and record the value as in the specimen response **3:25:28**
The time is **9:31:11**
